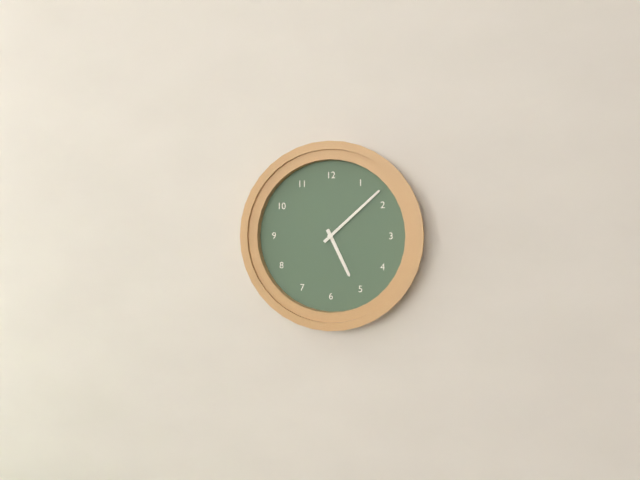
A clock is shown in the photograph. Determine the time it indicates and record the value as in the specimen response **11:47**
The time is **5:08**
